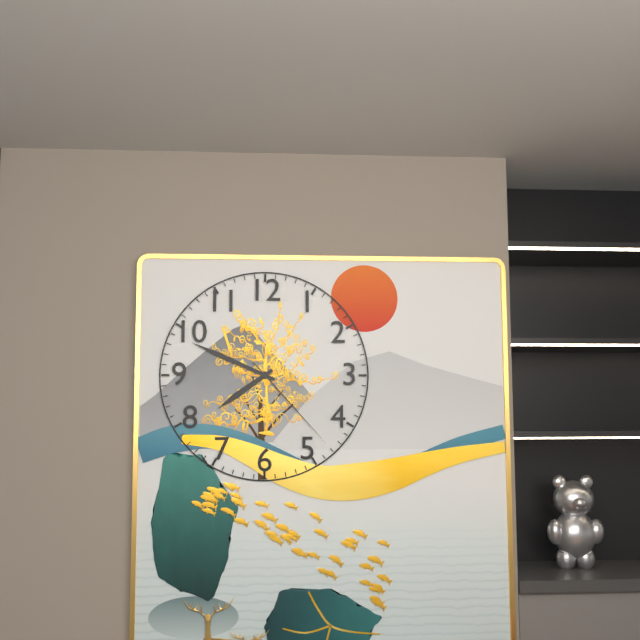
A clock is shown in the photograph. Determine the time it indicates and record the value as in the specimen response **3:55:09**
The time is **7:49:23**
